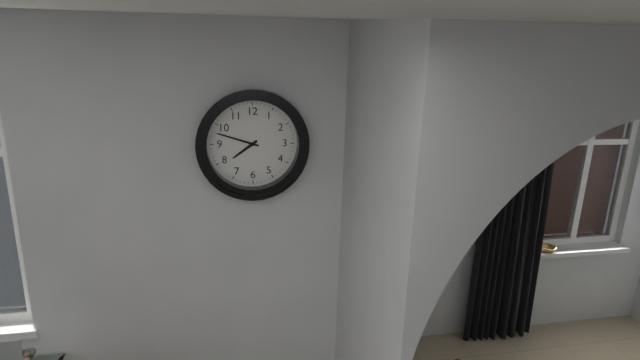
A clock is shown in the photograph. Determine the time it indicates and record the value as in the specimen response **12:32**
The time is **7:48**
